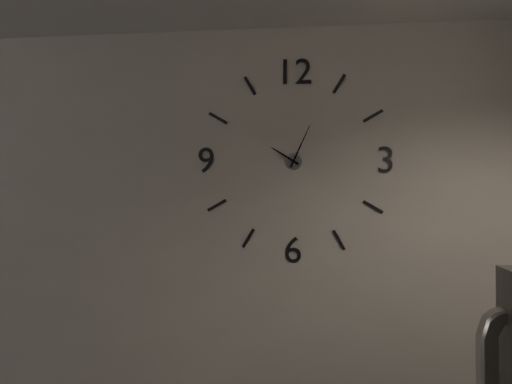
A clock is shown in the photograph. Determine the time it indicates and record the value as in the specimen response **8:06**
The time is **10:04**
